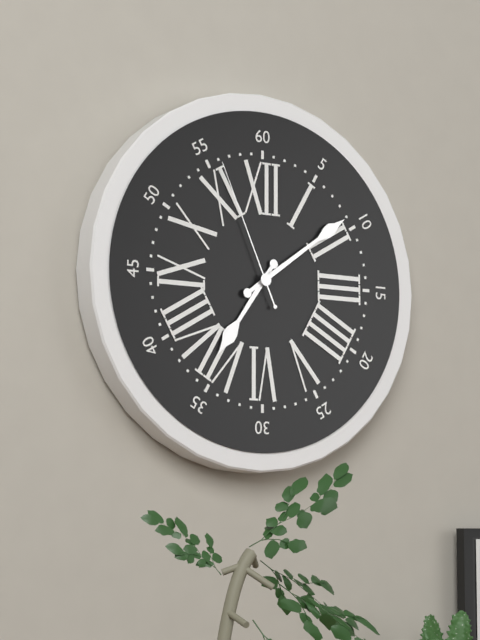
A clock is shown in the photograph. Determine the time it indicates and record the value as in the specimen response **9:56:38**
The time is **7:09:56**
